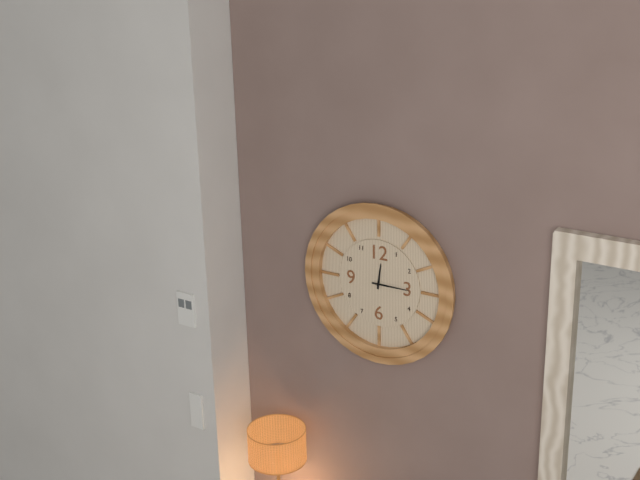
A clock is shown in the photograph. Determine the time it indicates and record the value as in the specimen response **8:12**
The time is **12:15**
